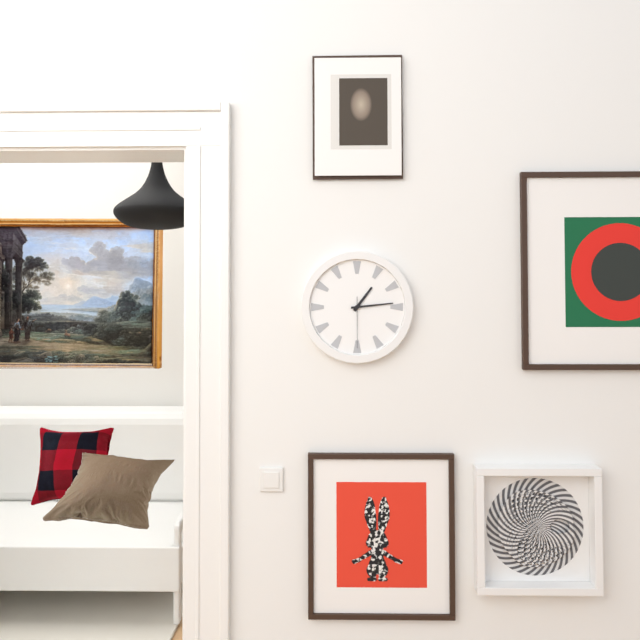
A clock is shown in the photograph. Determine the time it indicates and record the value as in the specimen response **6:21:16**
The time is **1:14:30**
